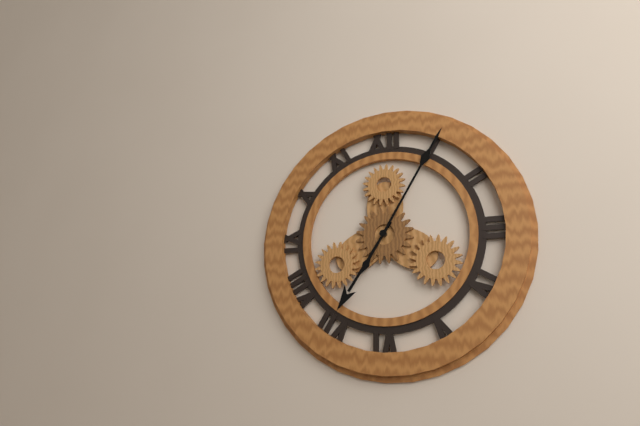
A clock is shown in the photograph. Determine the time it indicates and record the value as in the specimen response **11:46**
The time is **7:05**
